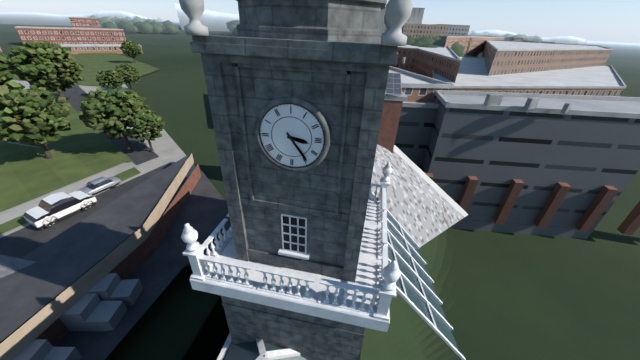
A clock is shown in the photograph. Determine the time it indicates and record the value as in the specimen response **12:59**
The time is **3:24**
